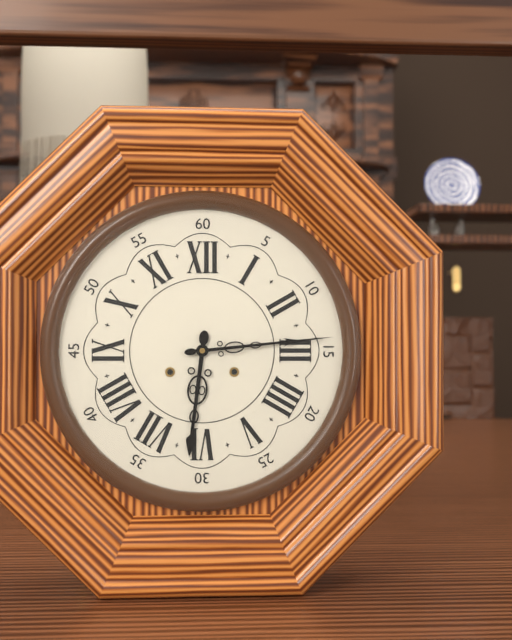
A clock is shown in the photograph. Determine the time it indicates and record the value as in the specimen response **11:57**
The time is **6:14**
